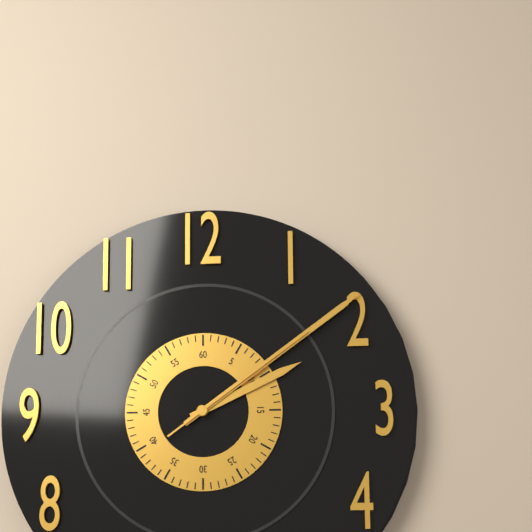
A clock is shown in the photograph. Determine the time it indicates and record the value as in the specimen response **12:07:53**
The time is **2:09:09**
